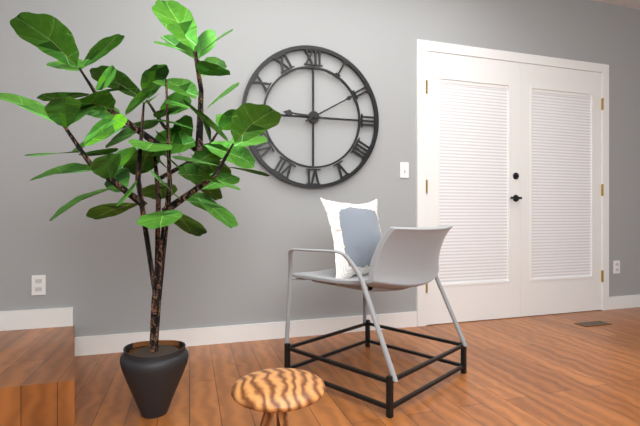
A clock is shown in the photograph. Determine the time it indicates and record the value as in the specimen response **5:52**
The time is **9:10**
